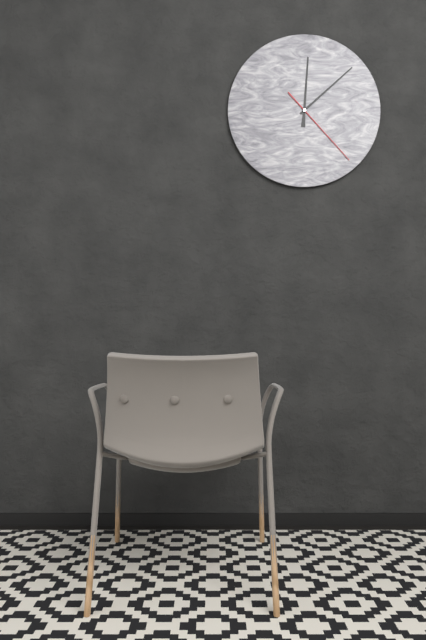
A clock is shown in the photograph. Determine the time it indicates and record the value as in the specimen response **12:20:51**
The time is **12:08:23**
